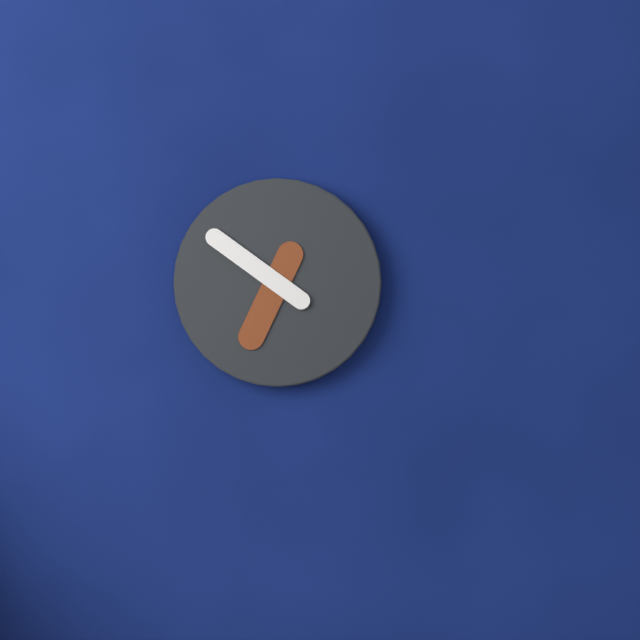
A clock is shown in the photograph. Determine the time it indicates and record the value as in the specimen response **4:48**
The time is **6:51**
